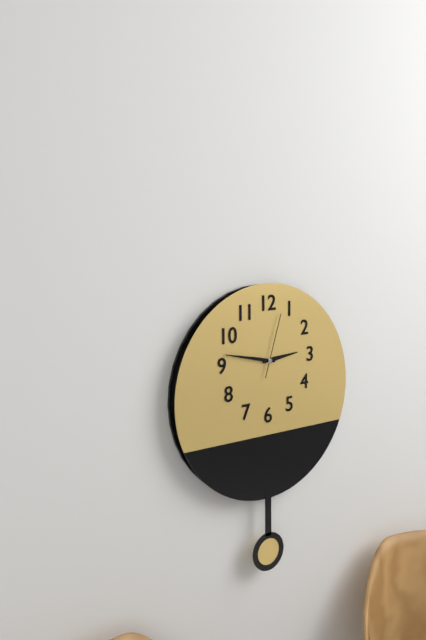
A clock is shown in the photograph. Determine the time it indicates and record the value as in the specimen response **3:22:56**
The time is **2:47:03**
